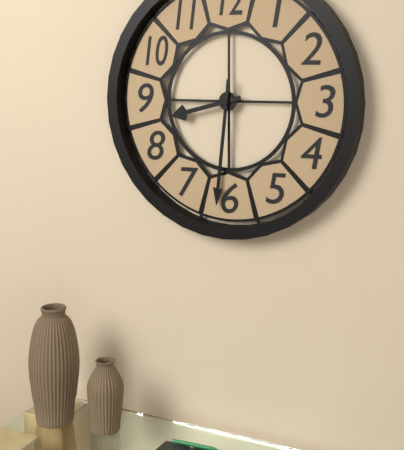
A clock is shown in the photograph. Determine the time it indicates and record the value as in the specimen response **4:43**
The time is **8:31**
